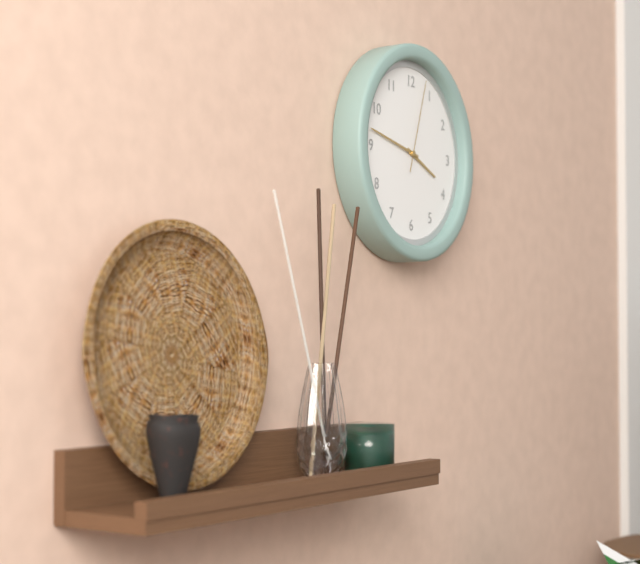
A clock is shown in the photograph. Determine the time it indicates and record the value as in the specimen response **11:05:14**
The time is **3:47:03**
